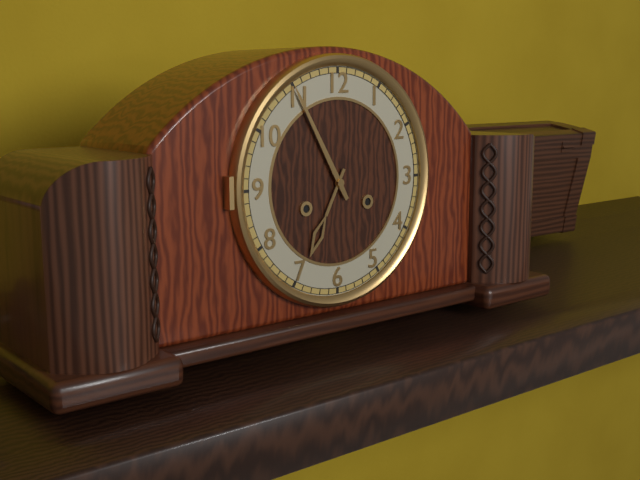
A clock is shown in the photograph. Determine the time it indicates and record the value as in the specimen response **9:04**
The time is **6:55**
